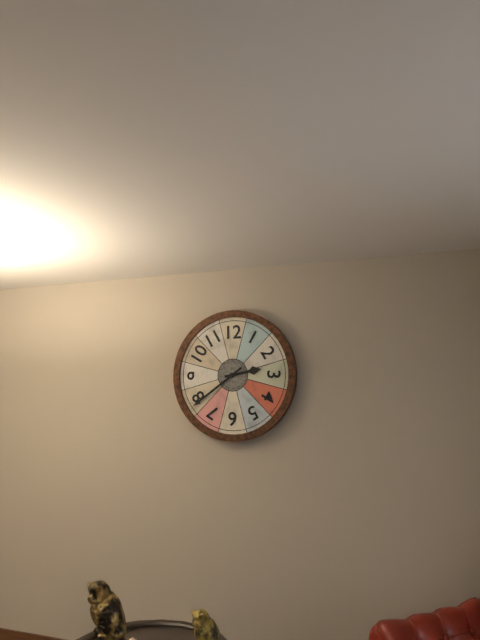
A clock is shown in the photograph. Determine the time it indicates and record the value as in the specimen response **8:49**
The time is **2:39**
